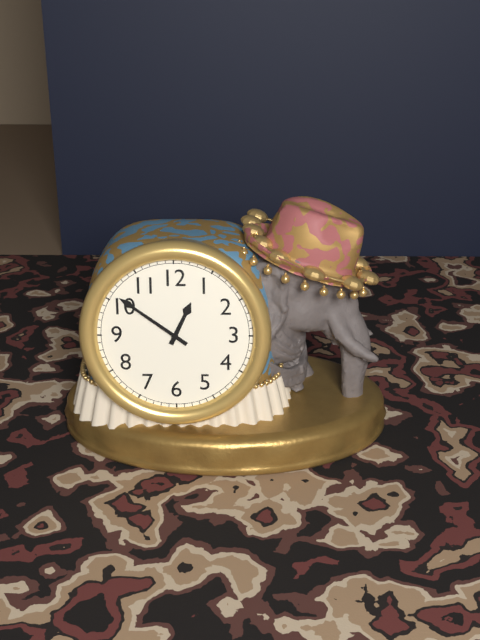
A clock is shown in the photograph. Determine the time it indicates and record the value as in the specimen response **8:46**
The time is **12:51**
